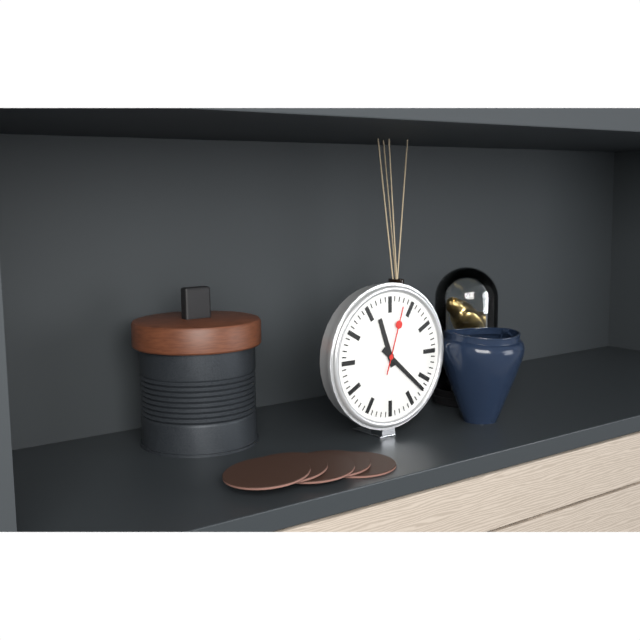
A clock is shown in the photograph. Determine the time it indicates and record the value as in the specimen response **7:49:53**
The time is **11:22:03**
